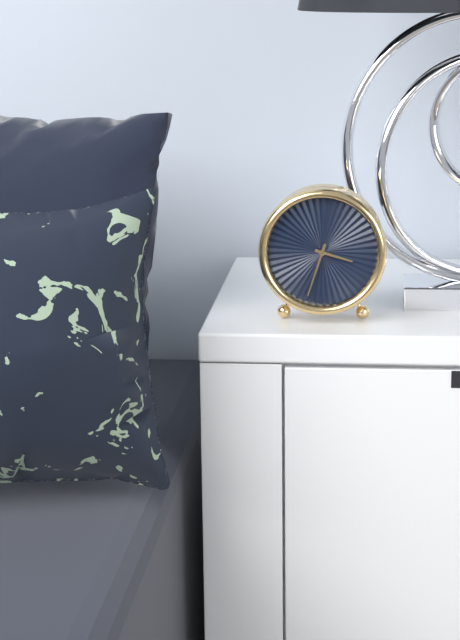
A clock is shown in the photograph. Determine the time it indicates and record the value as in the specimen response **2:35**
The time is **3:33**
